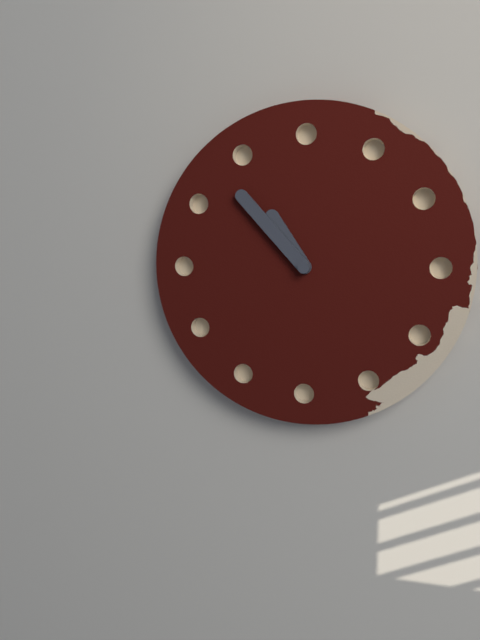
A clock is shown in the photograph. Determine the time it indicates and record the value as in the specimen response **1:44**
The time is **10:53**
